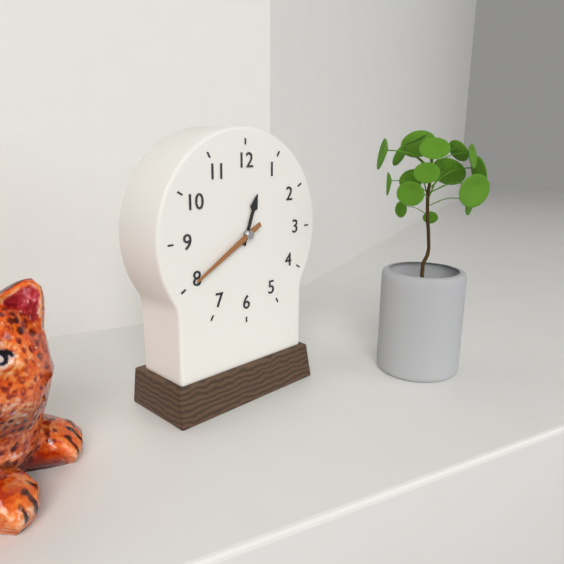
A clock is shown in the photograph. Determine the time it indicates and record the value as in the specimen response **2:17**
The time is **12:40**
